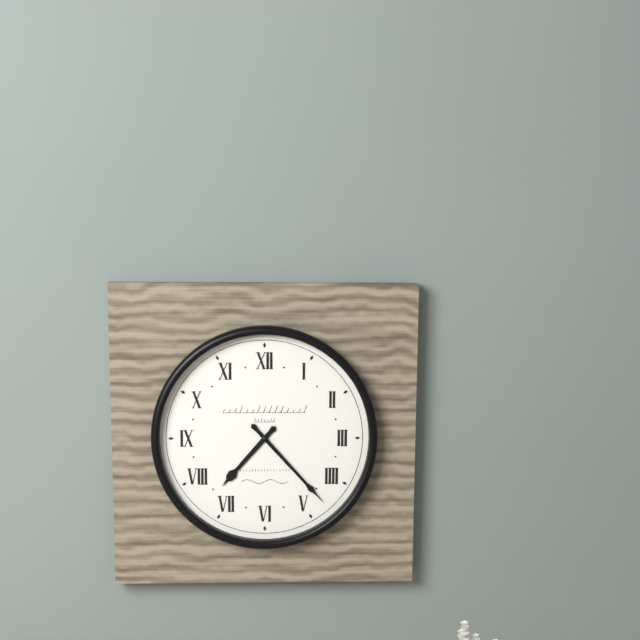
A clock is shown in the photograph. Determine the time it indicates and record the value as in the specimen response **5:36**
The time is **7:23**
